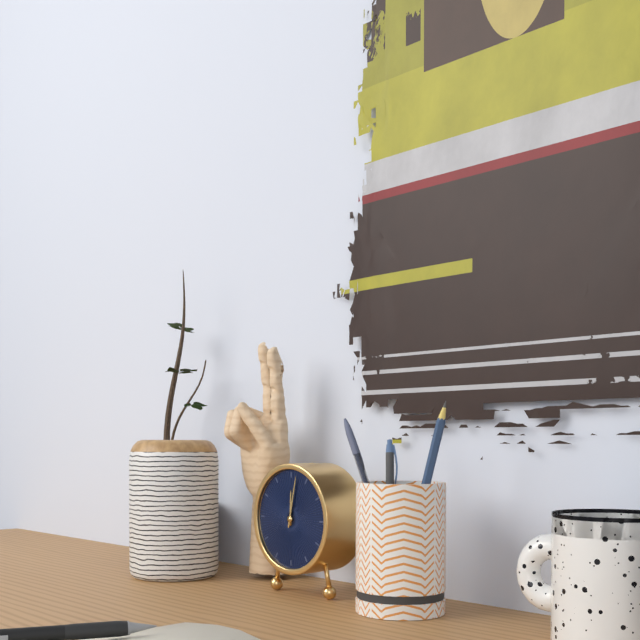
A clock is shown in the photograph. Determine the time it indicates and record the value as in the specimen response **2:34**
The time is **12:02**
